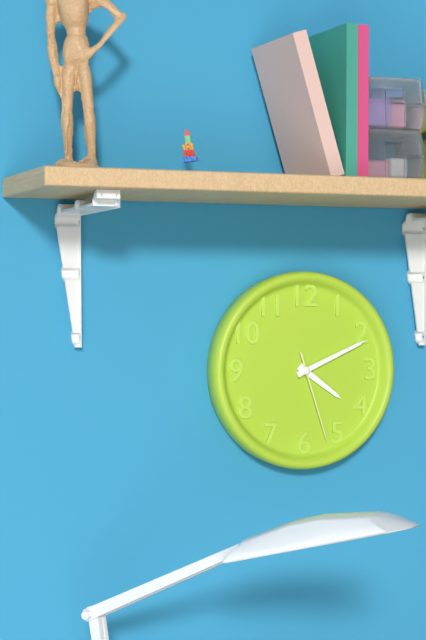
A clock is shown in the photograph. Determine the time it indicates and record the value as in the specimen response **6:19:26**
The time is **4:11:27**
